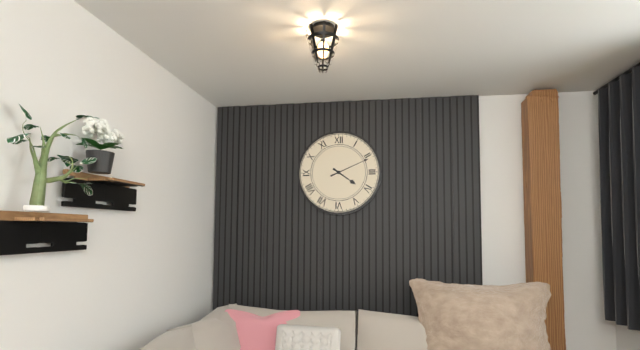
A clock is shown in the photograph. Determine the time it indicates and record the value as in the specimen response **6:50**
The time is **4:11**
